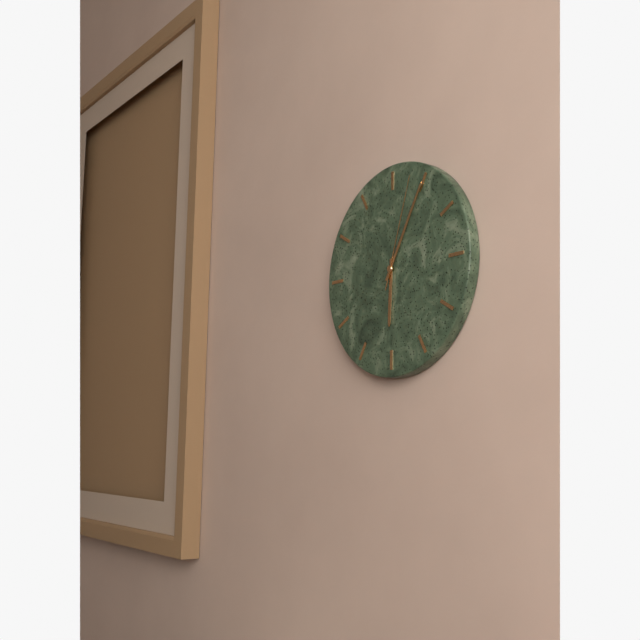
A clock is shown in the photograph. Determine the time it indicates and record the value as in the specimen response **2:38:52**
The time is **6:05:03**
